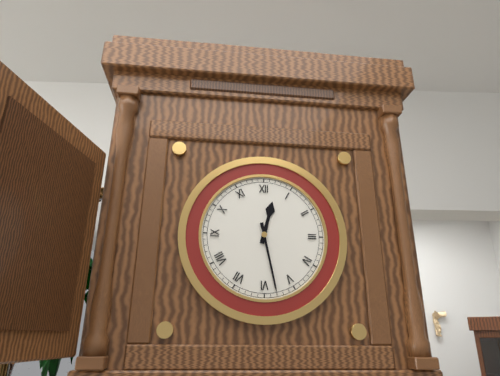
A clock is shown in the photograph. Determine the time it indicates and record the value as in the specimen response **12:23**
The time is **12:28**
